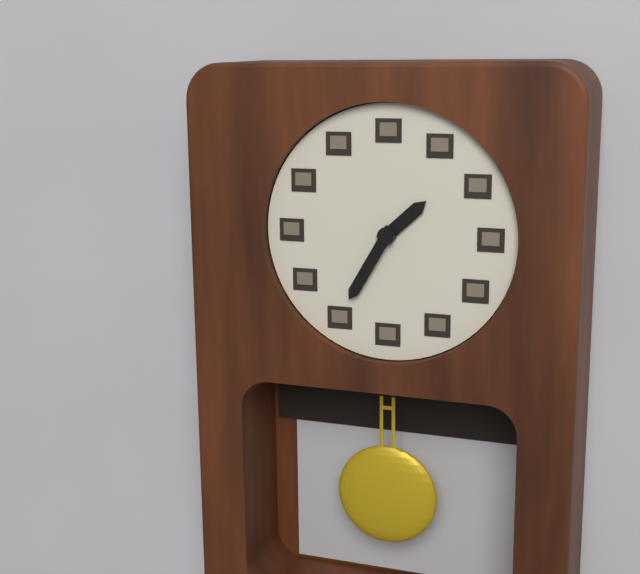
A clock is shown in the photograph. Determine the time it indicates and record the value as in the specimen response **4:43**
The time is **1:35**
